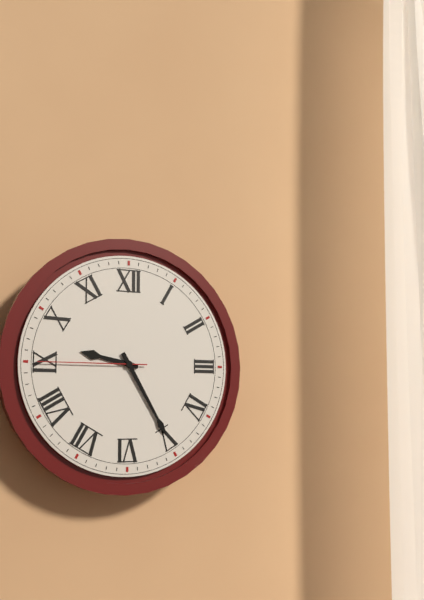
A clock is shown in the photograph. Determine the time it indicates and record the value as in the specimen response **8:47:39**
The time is **9:25:45**
